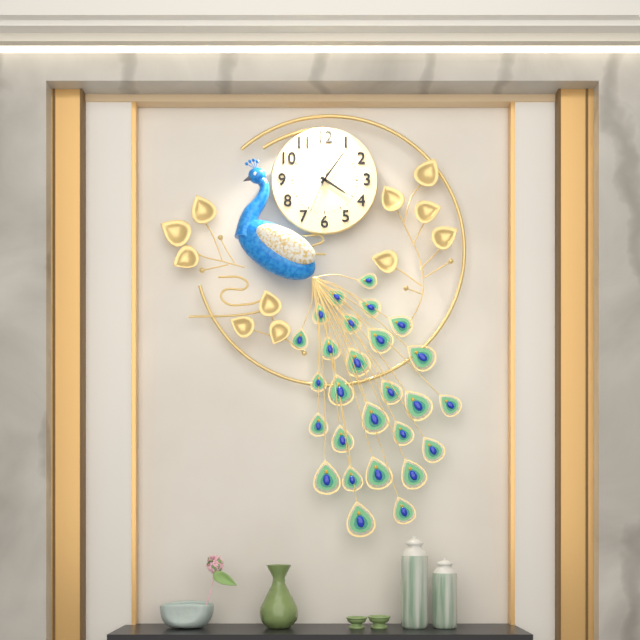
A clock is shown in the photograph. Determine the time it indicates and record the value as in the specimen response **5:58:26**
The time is **4:06:34**
